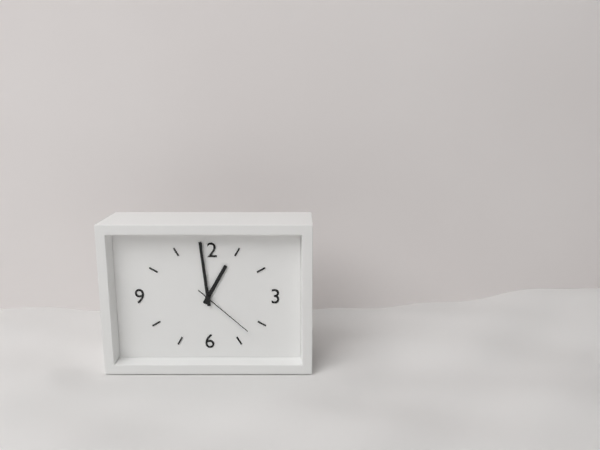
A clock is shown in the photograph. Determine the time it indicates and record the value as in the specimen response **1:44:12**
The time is **12:59:22**
